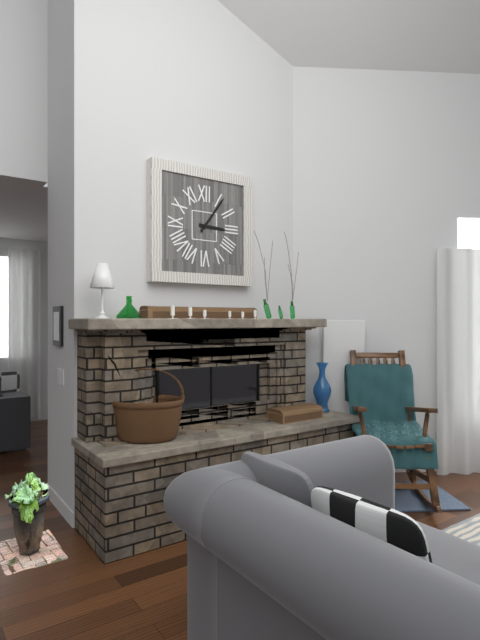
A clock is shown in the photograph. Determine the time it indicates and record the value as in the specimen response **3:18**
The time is **3:06**
